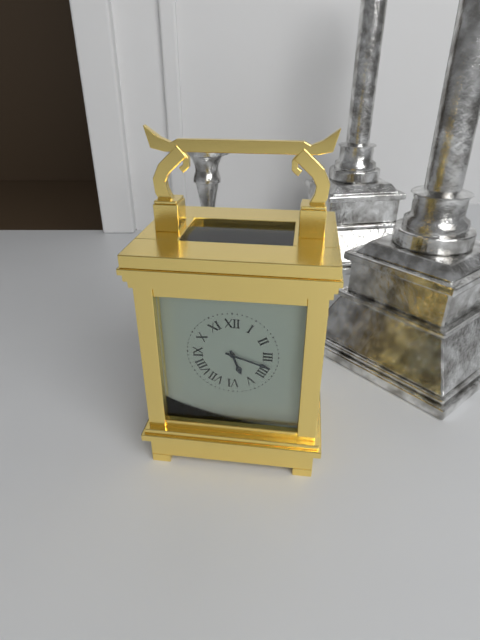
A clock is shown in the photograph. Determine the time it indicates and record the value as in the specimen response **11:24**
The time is **5:18**
